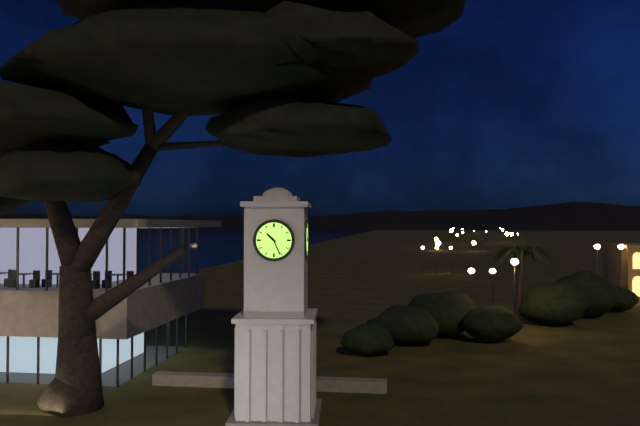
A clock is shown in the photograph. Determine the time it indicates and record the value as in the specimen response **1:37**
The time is **10:26**
